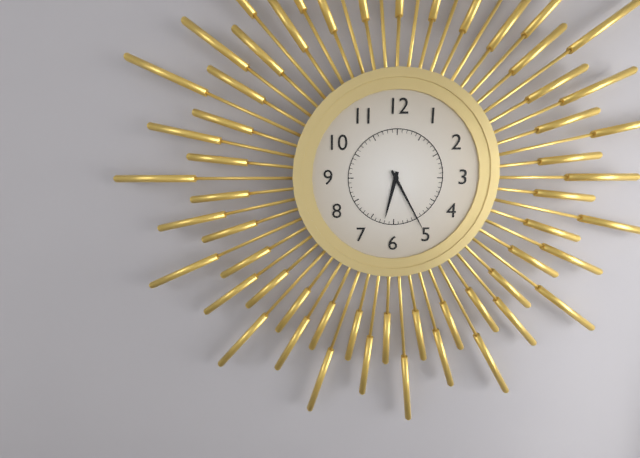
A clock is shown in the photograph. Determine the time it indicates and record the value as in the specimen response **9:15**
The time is **6:25**
